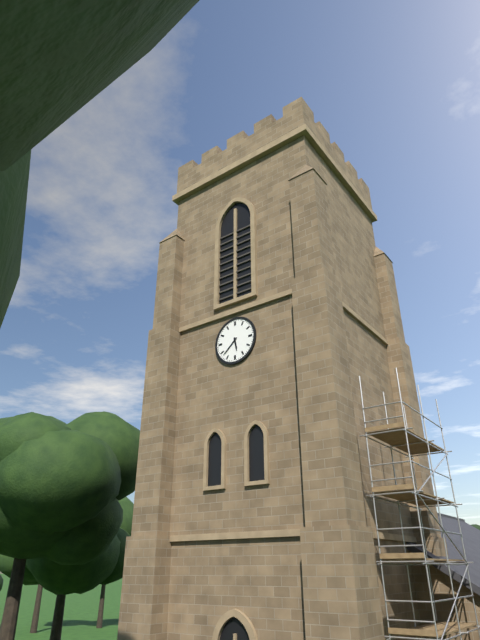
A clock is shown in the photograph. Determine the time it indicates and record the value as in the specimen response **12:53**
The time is **5:38**
